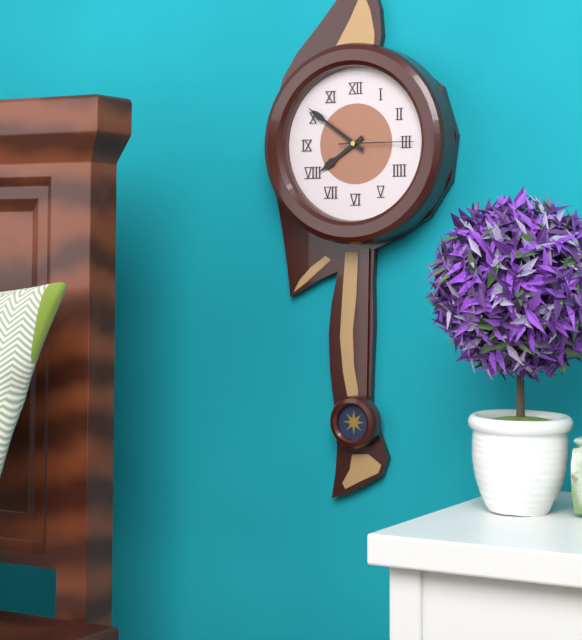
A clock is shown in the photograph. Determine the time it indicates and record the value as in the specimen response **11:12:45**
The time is **7:51:15**
